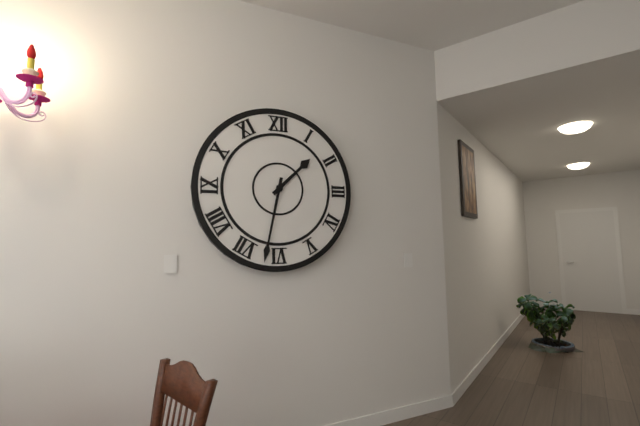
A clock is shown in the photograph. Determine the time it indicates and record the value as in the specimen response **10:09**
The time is **1:32**
